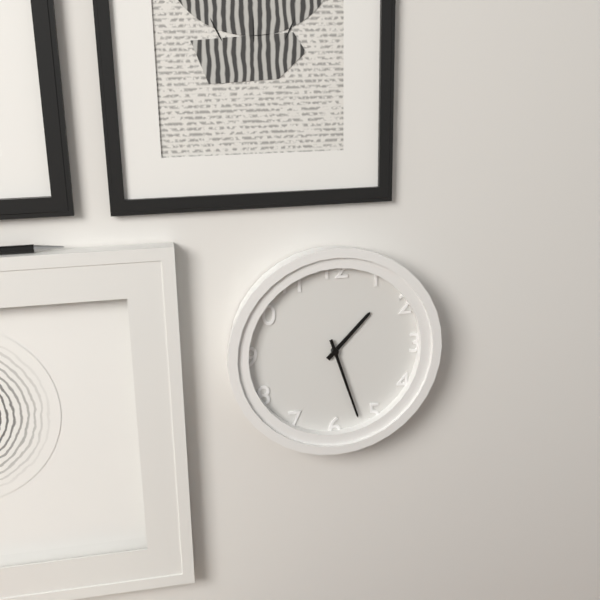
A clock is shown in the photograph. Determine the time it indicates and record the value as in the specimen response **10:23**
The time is **1:27**
